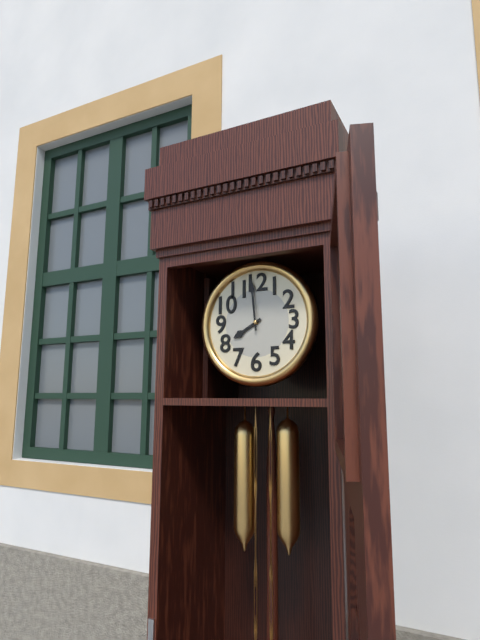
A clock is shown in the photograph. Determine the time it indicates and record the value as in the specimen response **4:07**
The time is **7:59**
